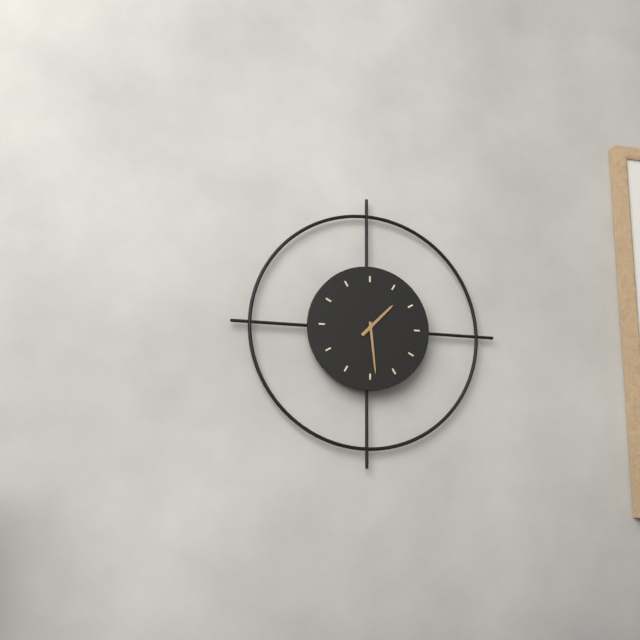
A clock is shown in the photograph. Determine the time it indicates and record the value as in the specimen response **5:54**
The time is **1:29**
